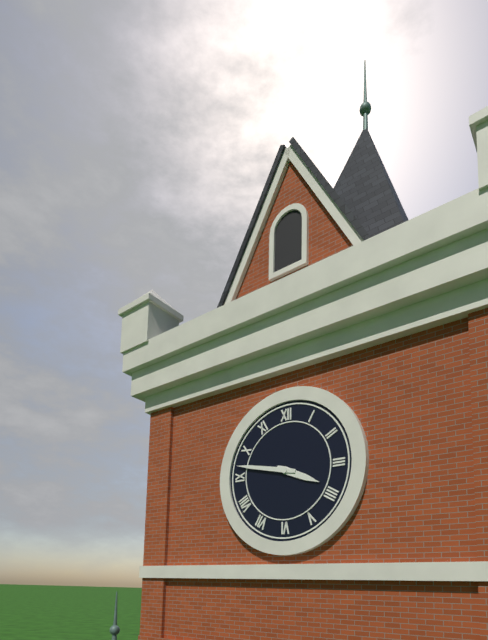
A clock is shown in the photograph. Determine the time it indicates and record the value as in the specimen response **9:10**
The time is **3:47**
